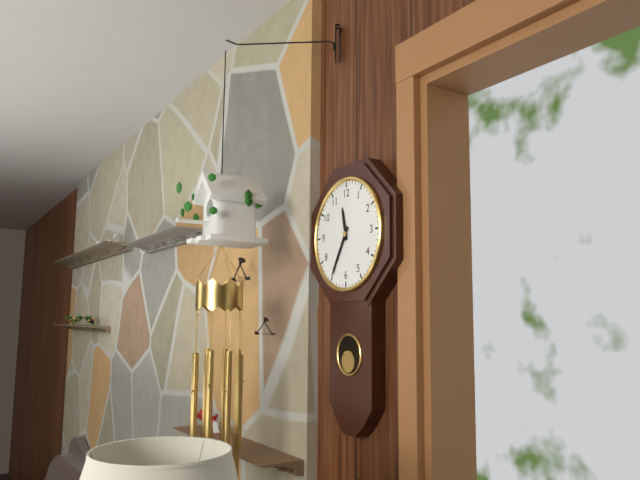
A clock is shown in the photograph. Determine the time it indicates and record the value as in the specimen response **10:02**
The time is **11:35**
